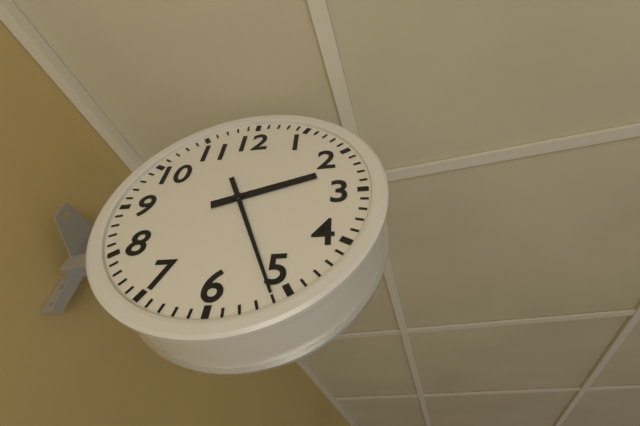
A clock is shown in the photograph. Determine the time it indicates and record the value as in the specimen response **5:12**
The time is **2:26**
